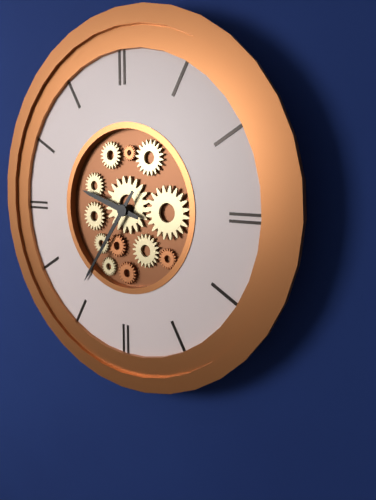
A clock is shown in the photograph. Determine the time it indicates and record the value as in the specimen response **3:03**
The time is **9:36**
